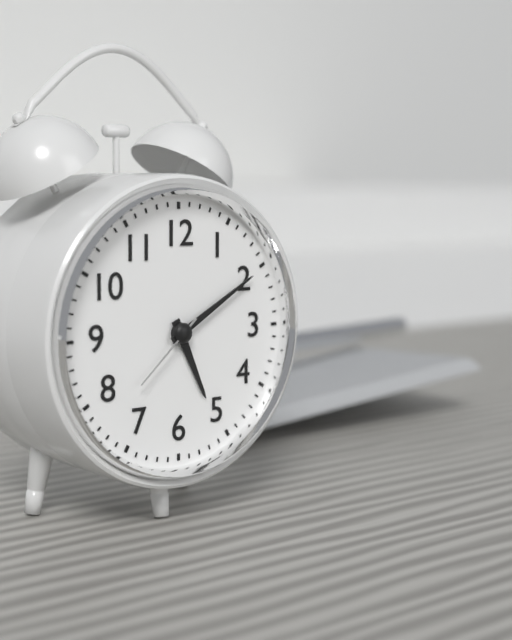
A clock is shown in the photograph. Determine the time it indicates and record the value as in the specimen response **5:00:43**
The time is **5:10:38**
